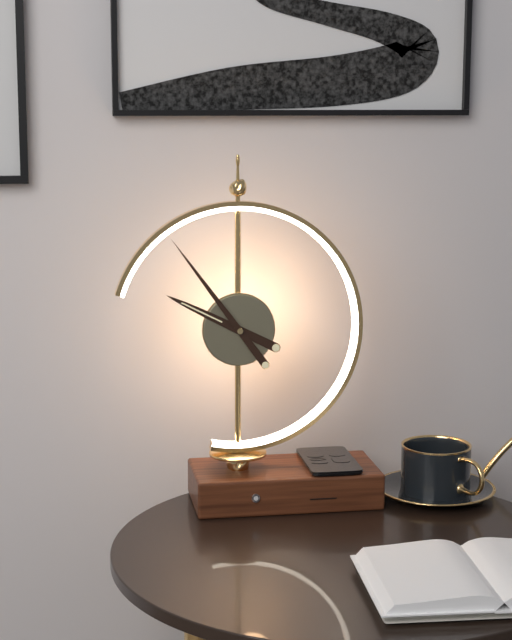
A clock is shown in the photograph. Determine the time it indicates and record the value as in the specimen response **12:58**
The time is **9:54**
